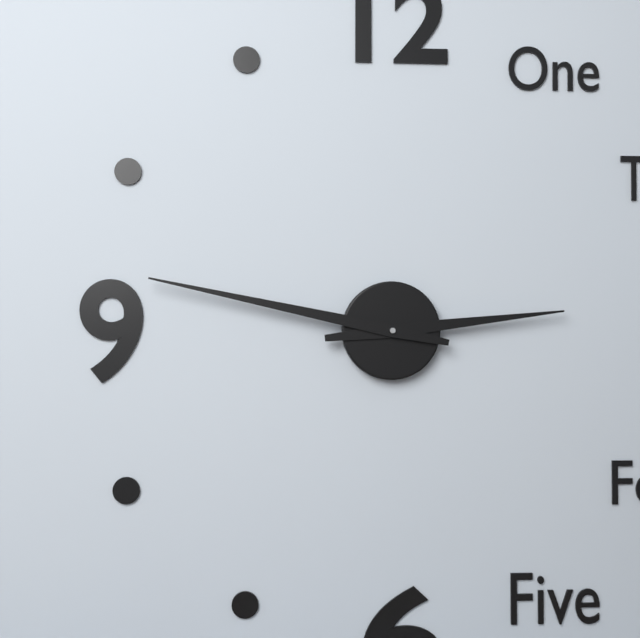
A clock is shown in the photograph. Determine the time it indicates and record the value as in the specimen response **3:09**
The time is **2:47**
